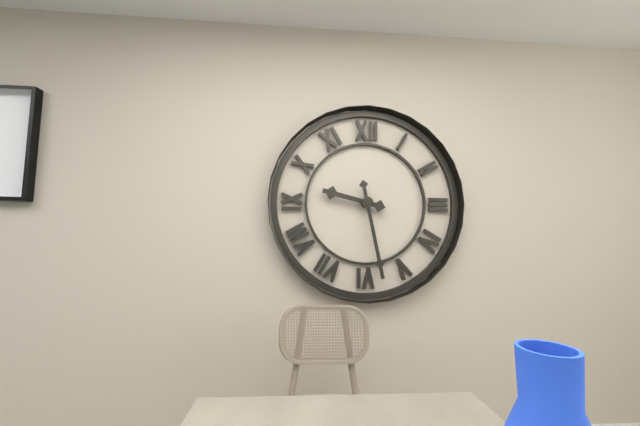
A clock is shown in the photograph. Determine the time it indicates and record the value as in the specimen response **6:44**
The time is **9:28**
